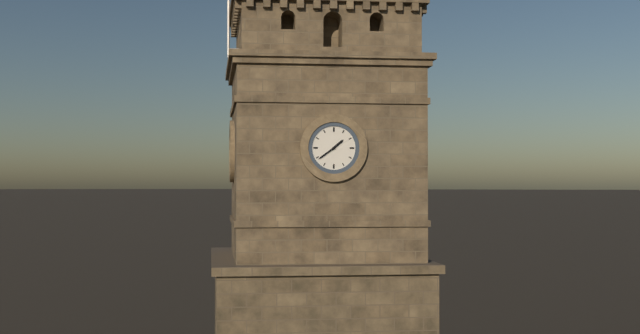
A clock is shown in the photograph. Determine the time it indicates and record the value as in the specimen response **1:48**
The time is **1:39**
